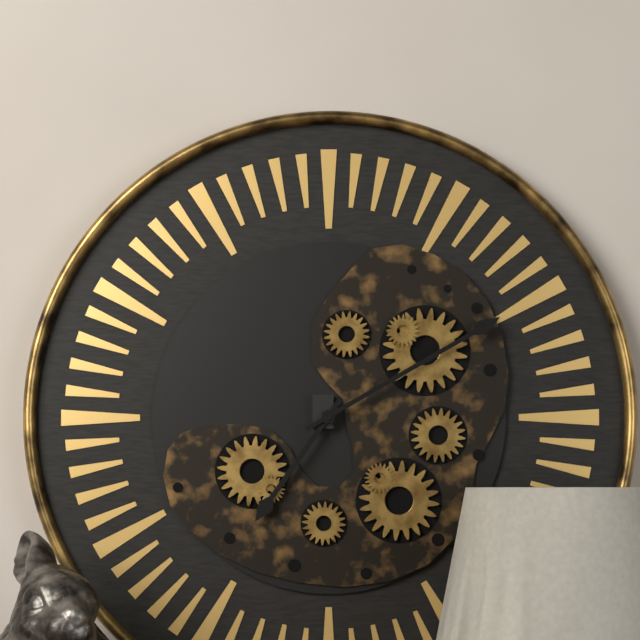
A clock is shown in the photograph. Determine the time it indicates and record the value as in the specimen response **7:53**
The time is **7:10**
